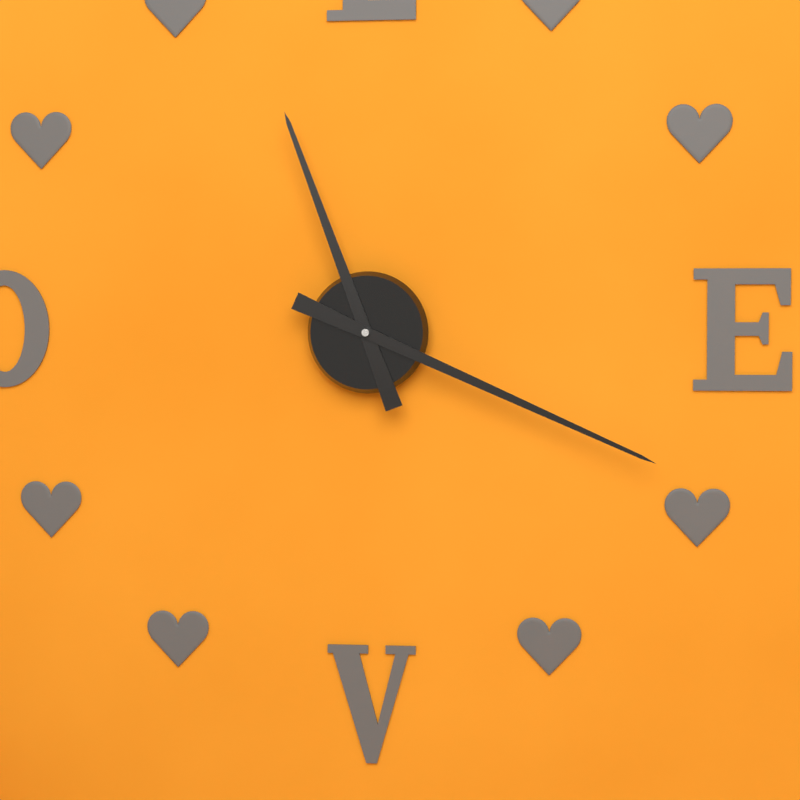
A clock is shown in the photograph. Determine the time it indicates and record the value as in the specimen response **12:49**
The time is **11:19**
